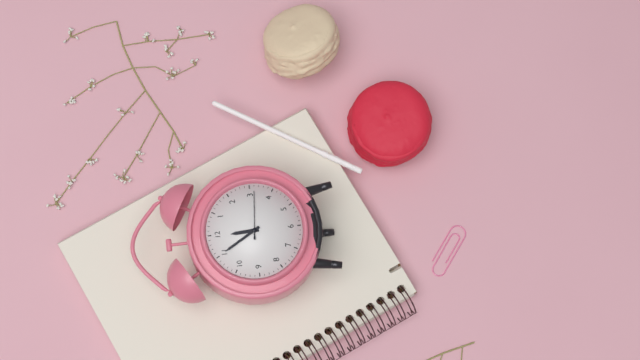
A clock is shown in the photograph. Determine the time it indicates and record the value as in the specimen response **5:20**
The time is **11:55**
